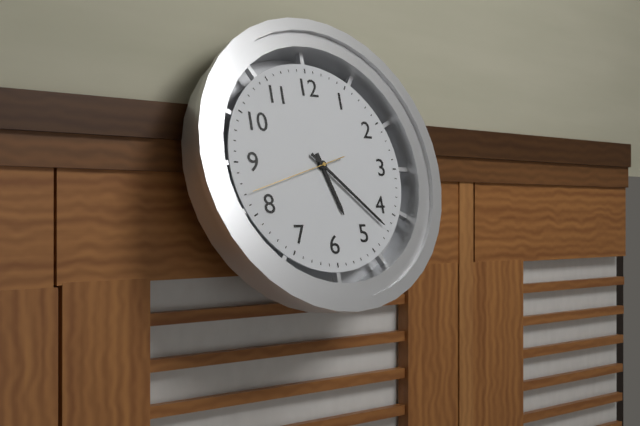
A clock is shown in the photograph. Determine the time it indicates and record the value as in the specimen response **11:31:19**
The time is **5:22:42**
